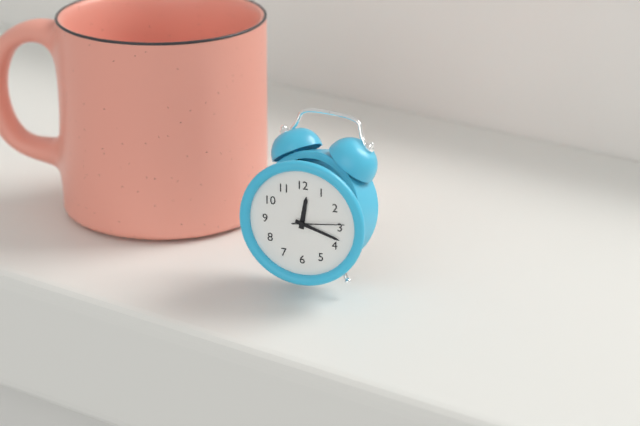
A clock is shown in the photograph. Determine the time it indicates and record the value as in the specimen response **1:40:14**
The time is **12:18:14**
